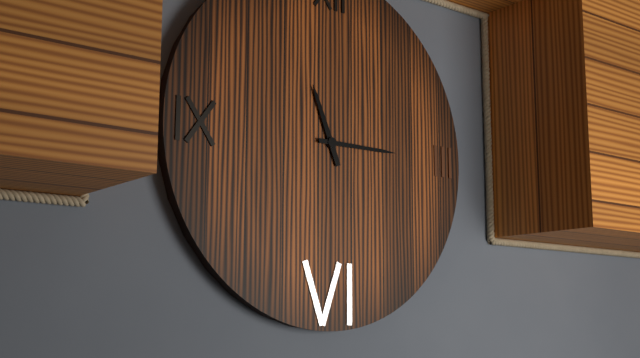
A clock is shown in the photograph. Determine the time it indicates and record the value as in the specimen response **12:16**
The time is **11:15**
